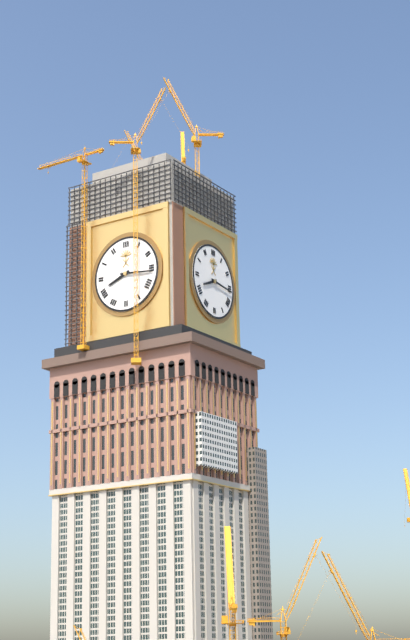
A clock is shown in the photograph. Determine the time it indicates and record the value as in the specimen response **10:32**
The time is **8:16**
